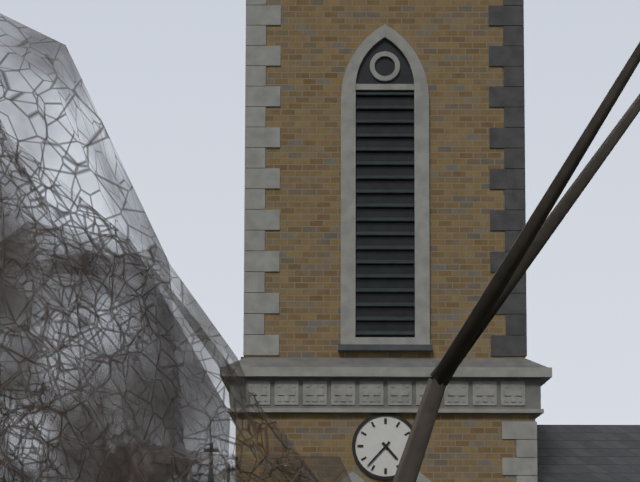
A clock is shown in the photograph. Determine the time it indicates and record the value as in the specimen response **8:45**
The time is **4:37**
